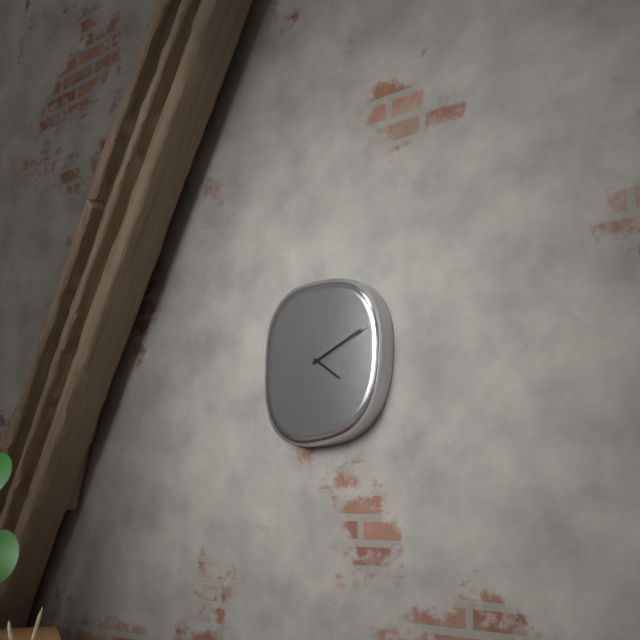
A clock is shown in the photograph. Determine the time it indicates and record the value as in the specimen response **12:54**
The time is **4:11**
